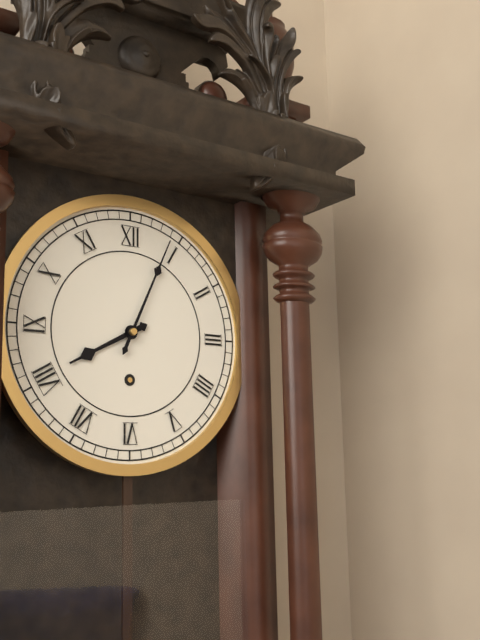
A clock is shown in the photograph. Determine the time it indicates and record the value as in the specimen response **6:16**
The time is **8:04**
